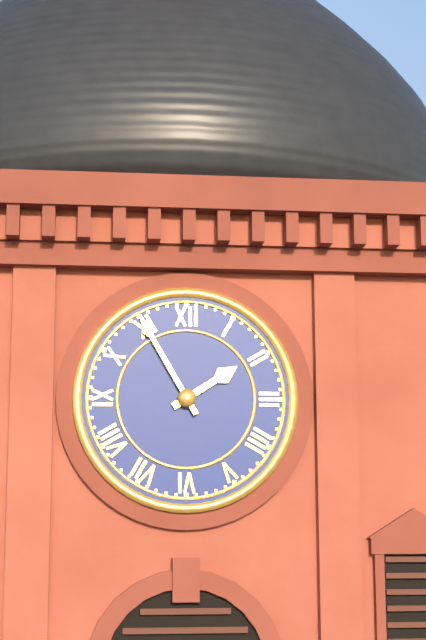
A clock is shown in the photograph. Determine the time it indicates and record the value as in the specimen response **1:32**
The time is **1:55**
